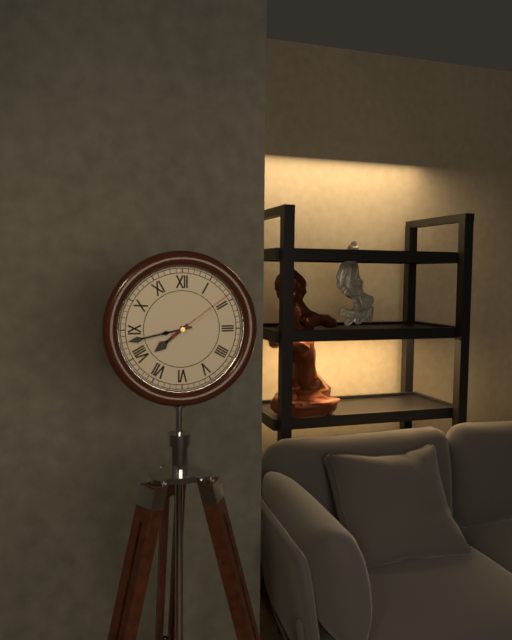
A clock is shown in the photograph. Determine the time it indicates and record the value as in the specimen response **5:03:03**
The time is **7:43:09**
